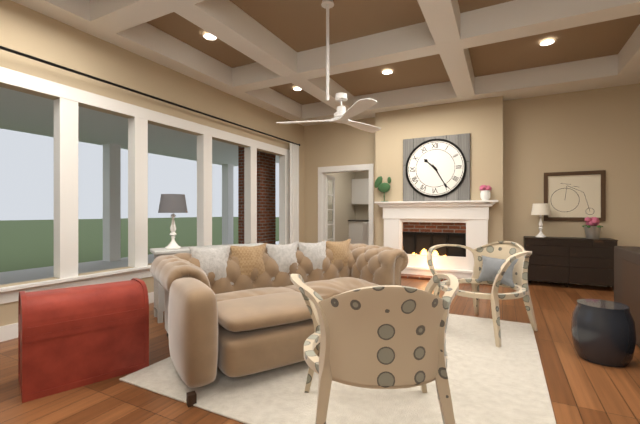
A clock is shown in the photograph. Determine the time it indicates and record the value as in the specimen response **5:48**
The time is **10:25**
